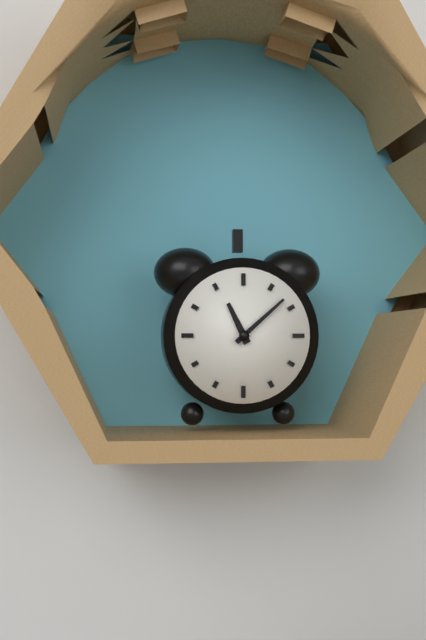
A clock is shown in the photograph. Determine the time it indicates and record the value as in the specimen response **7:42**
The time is **11:08**
